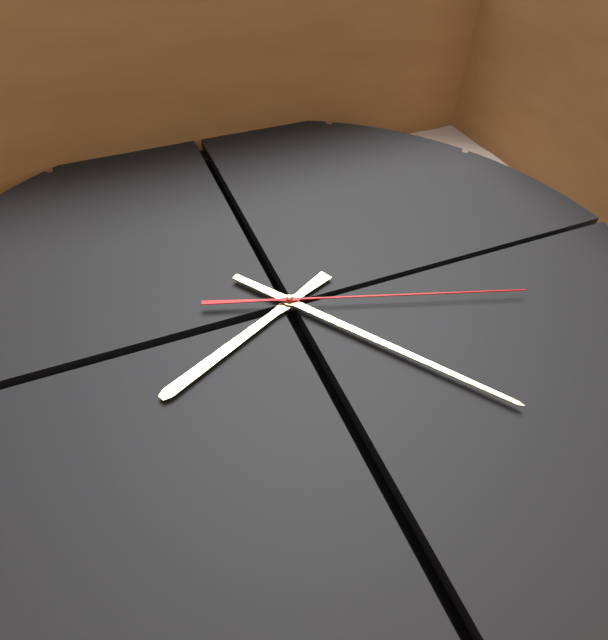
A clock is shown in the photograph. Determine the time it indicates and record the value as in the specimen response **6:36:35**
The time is **5:09:03**
